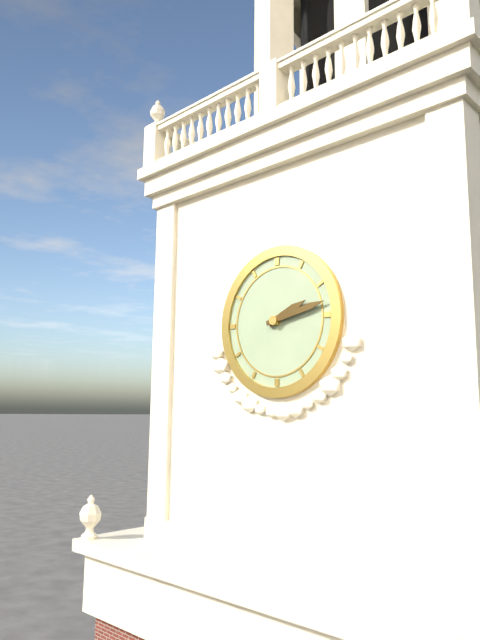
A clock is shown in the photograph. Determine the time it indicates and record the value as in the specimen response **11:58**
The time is **2:13**
